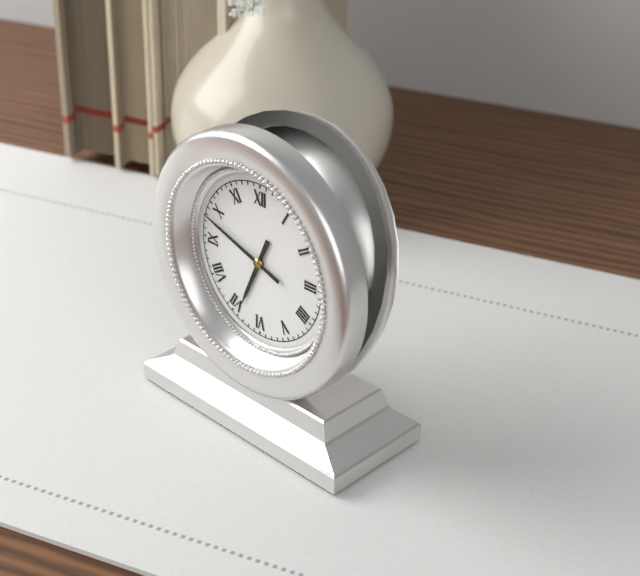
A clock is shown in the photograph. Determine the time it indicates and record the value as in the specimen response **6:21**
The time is **6:48**
